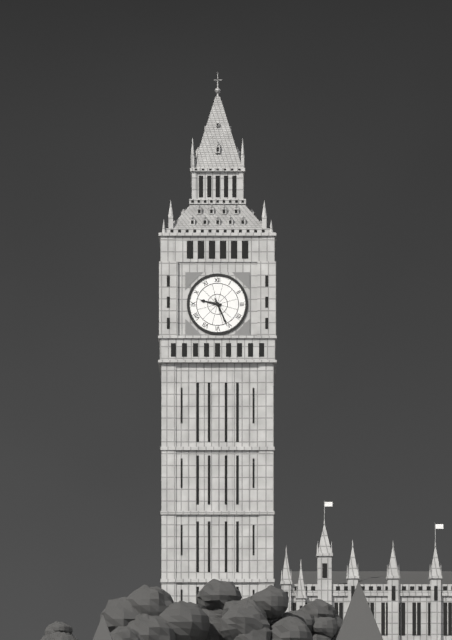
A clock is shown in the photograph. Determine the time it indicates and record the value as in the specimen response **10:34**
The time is **9:26**
